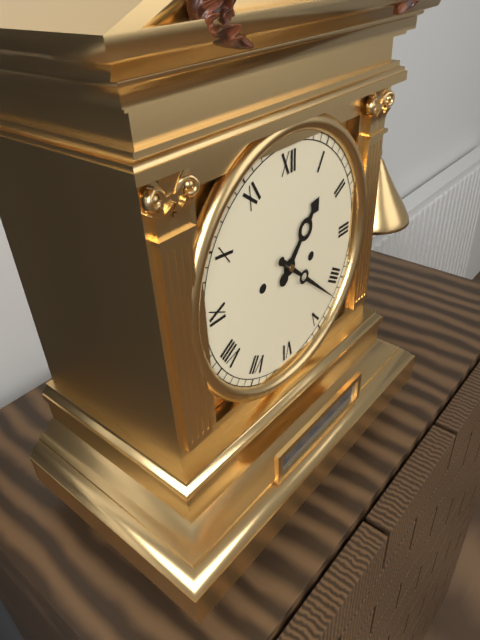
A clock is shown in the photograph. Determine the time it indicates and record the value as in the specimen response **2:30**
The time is **1:22**
